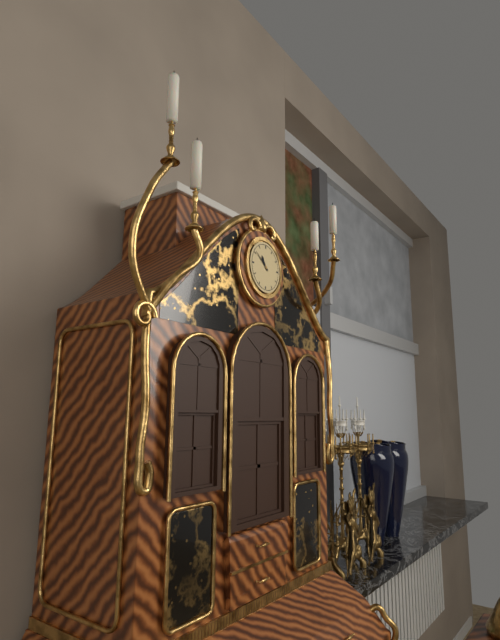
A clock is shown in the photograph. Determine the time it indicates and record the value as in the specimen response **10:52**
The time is **10:51**
